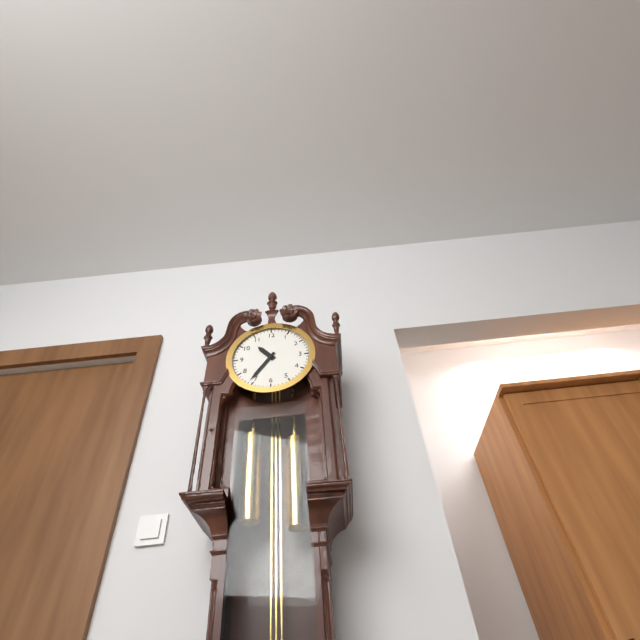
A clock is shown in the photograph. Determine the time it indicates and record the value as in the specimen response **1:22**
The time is **10:36**
